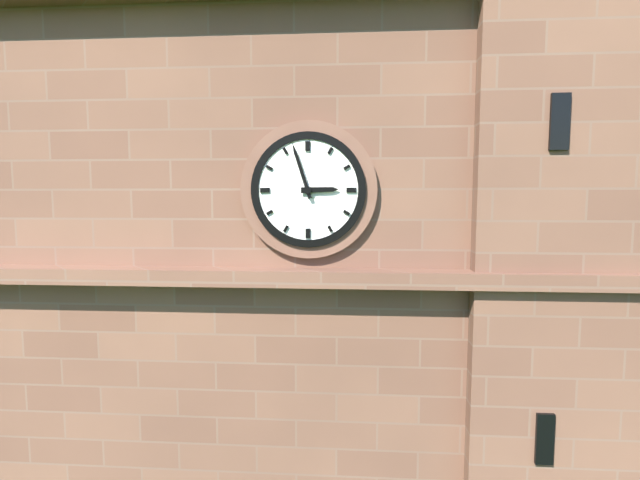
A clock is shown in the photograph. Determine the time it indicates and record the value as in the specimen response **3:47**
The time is **2:57**
